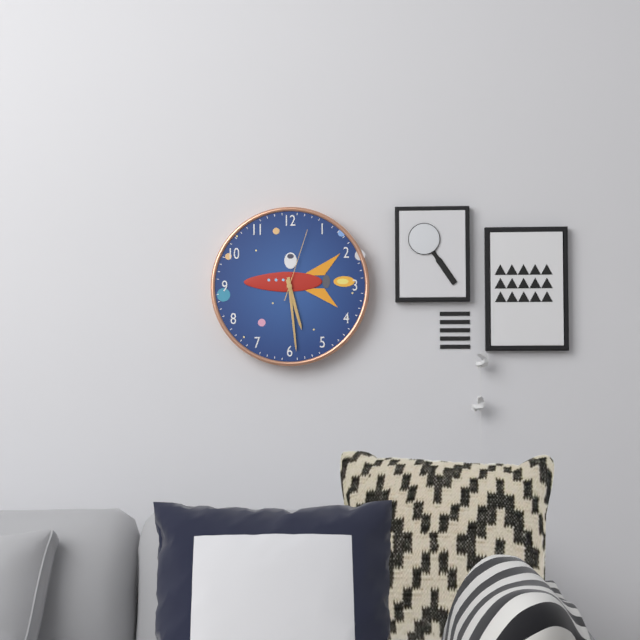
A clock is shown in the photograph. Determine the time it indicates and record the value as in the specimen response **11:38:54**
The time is **5:29:03**
